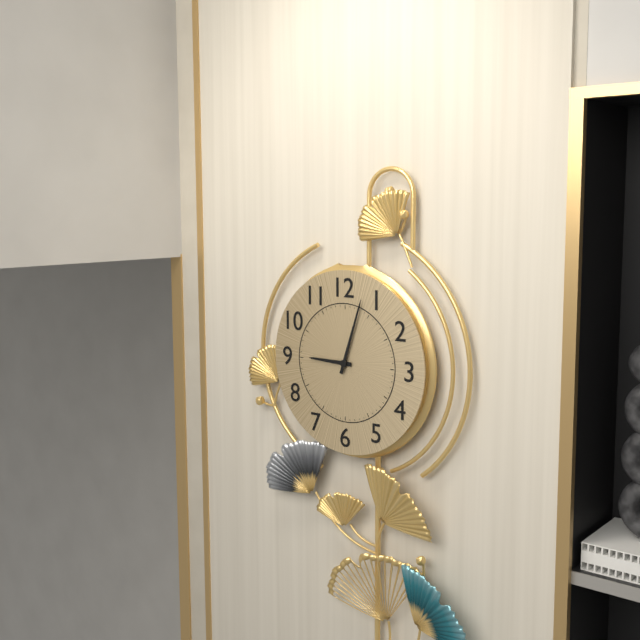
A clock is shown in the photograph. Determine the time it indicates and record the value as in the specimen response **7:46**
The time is **9:03**
